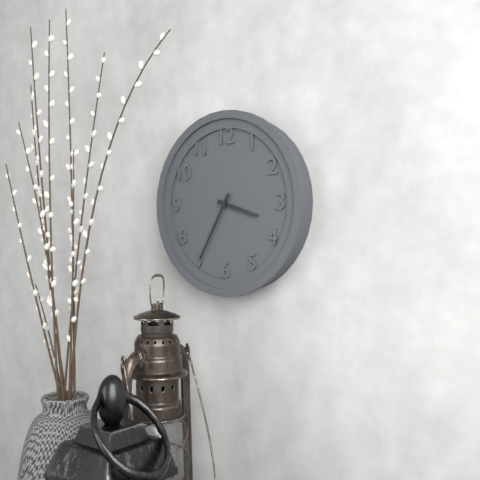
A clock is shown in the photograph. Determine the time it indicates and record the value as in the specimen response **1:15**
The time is **3:35**
